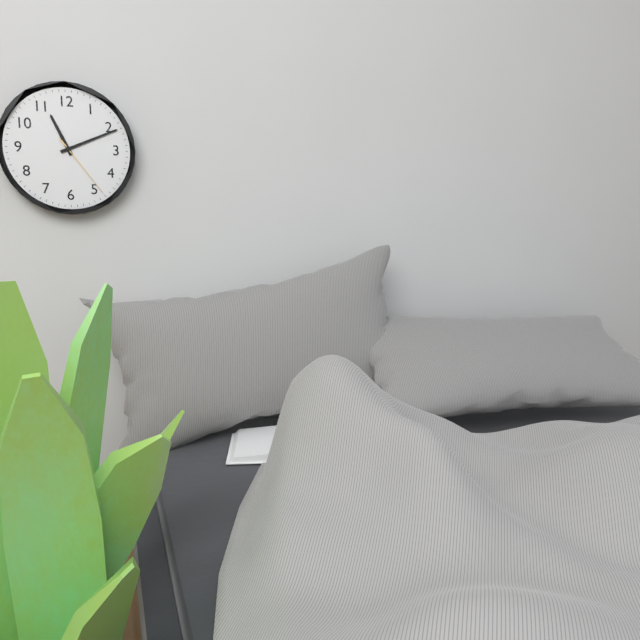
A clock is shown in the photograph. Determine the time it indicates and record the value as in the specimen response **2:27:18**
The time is **11:11:24**
